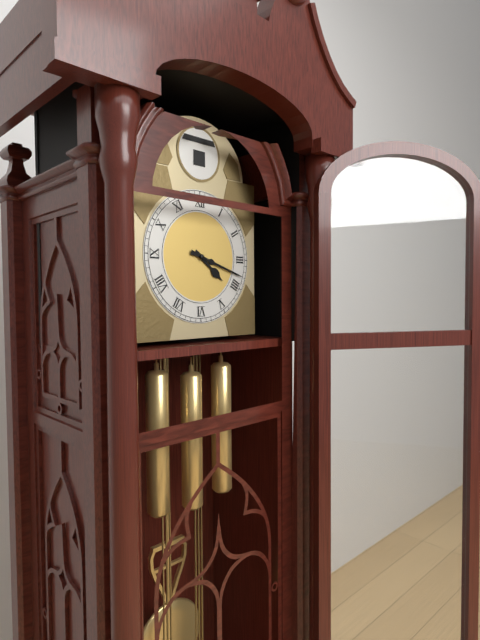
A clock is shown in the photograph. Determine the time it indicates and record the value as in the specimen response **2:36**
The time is **4:18**
